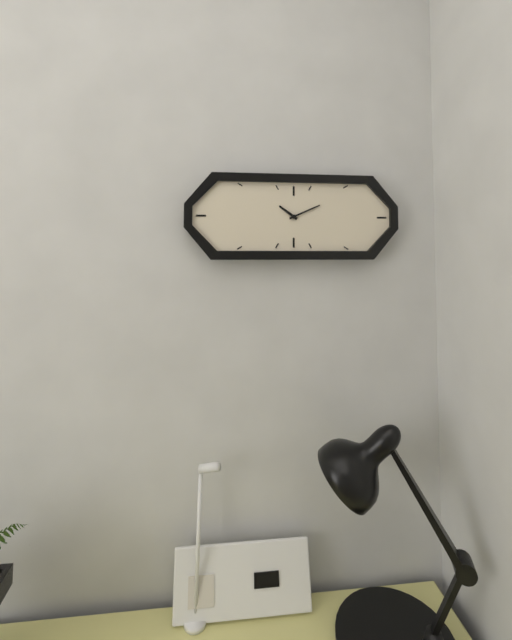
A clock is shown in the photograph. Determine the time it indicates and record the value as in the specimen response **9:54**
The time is **10:11**
